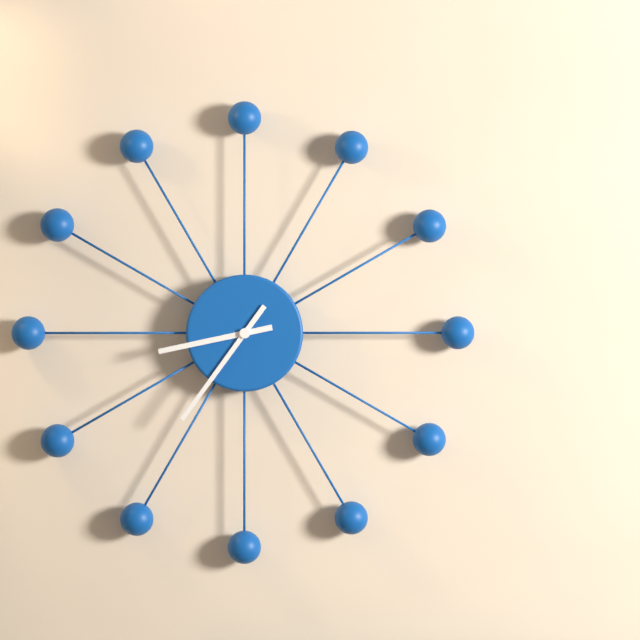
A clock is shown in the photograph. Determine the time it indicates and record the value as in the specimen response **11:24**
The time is **8:36**
